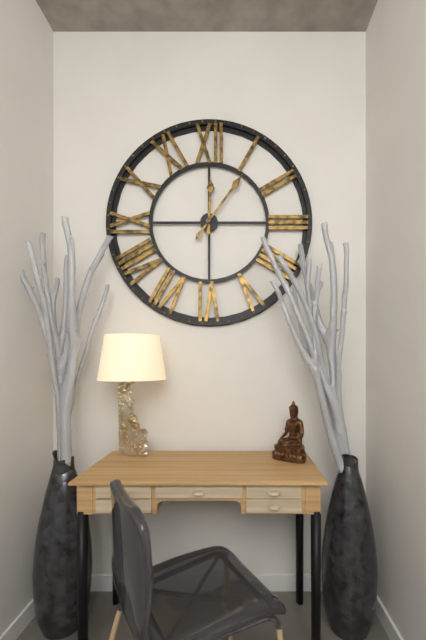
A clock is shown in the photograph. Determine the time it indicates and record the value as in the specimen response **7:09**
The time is **12:06**
